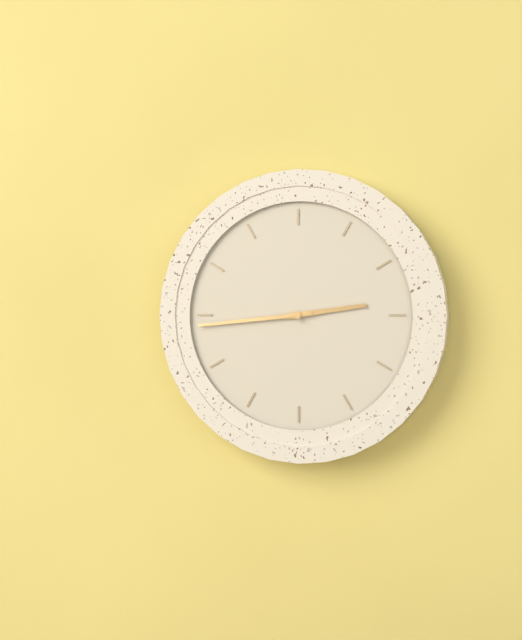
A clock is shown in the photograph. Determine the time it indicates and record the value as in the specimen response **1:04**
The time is **2:44**
